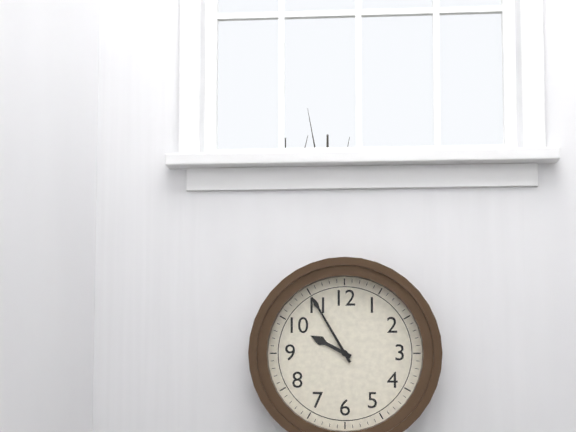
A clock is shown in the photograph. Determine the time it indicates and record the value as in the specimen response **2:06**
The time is **9:55**
